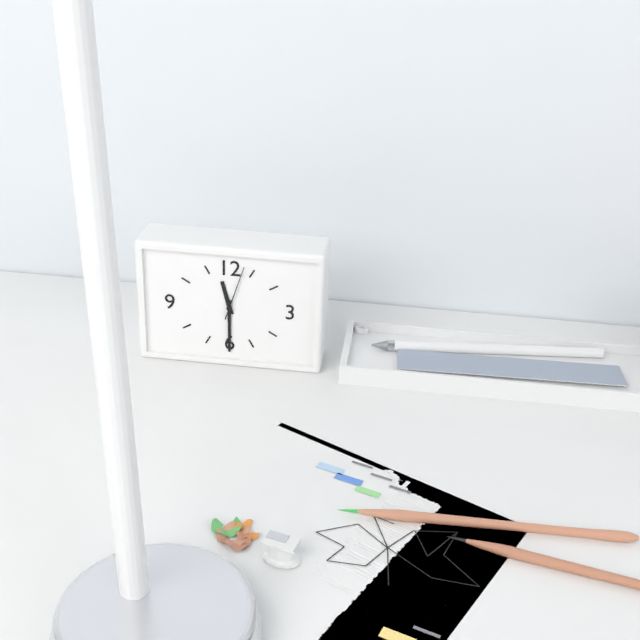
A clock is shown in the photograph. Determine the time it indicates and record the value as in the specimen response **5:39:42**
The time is **11:30:03**
